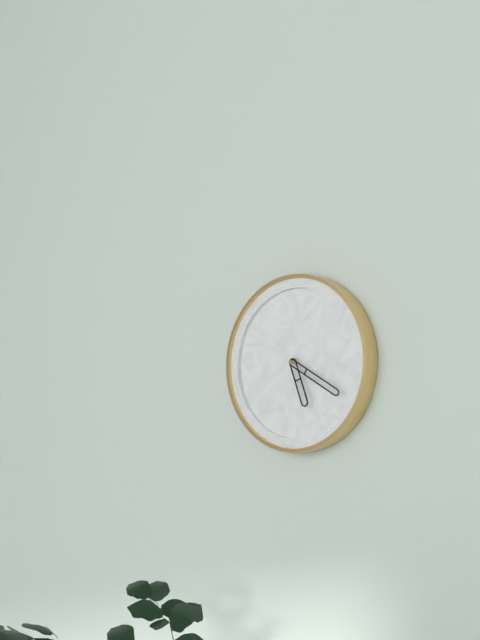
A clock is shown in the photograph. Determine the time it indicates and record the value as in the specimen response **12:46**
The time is **5:20**
